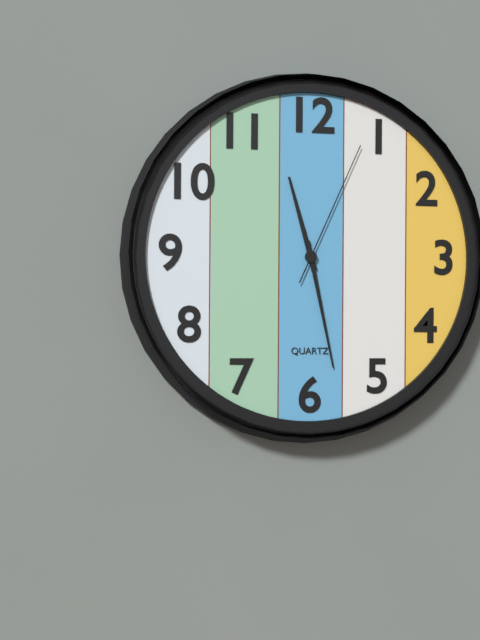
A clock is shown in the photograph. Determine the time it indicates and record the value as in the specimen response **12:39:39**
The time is **11:28:04**
